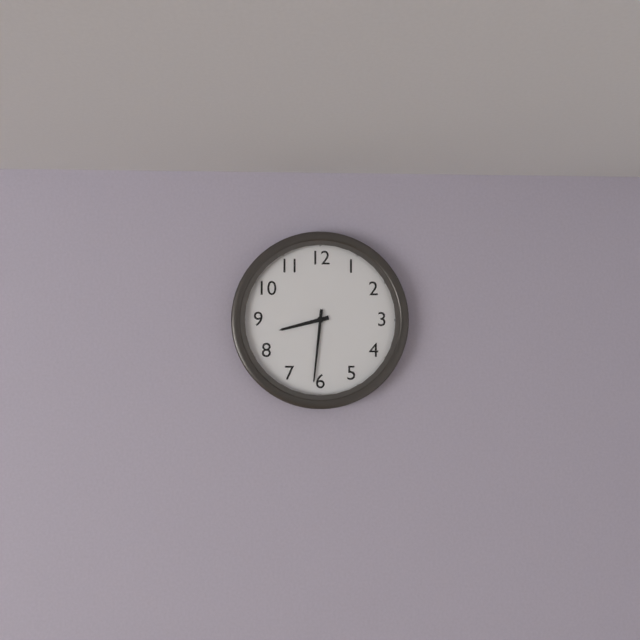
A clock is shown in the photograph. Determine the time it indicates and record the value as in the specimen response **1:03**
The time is **8:31**
